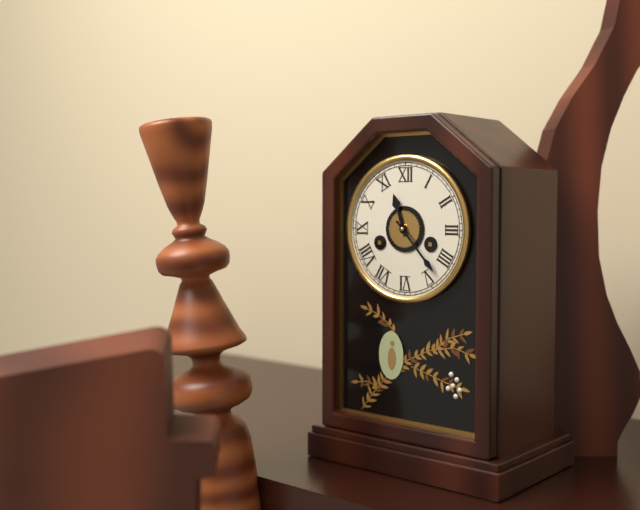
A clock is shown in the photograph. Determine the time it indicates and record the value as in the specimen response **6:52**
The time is **11:23**
